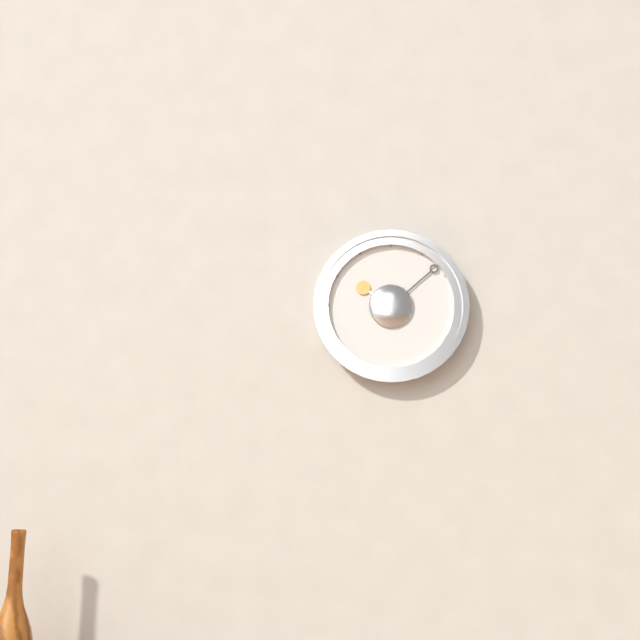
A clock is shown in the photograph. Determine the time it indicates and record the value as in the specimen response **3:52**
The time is **10:08**
